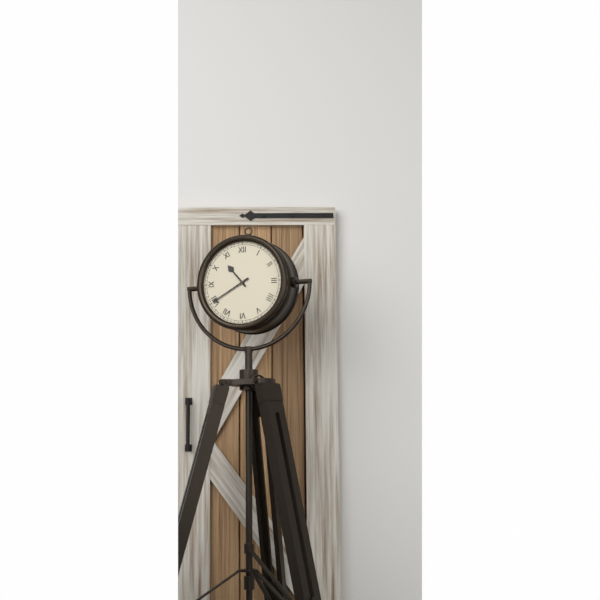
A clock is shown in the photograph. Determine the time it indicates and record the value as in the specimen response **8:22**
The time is **10:40**
